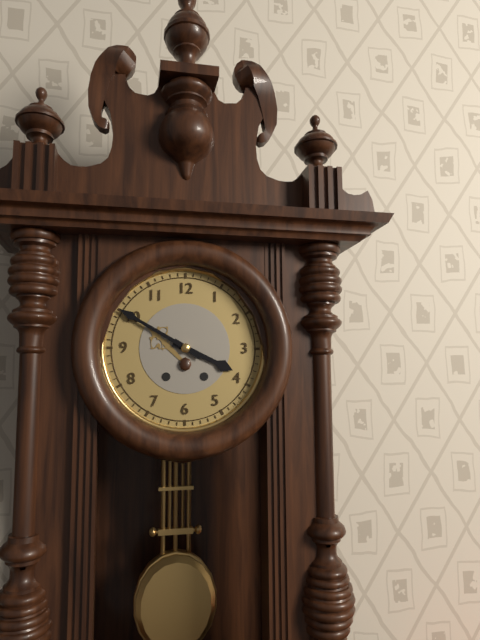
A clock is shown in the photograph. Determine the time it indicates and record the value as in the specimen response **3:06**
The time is **3:50**
